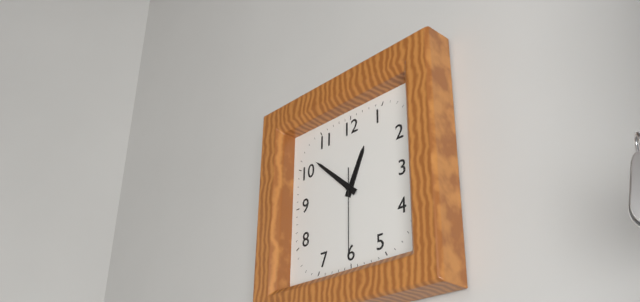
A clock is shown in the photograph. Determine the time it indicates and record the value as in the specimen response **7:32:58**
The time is **12:52:30**
